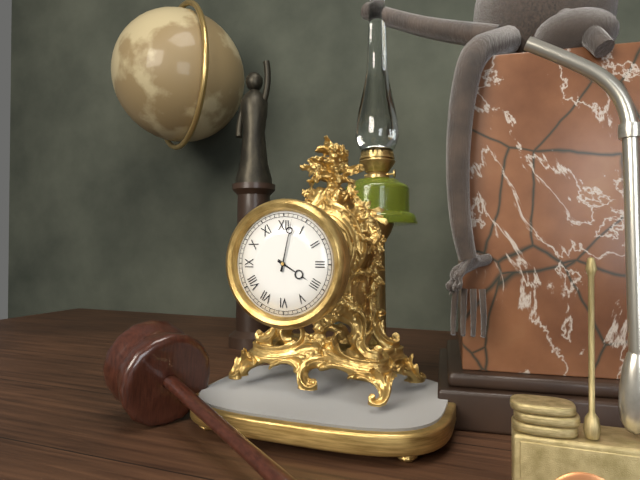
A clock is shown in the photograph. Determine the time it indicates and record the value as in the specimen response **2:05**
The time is **4:02**
